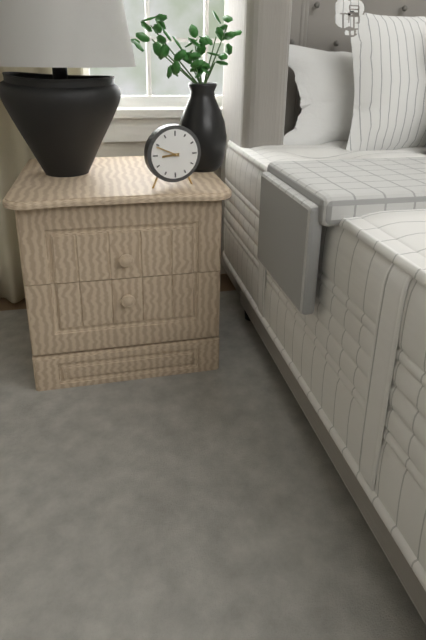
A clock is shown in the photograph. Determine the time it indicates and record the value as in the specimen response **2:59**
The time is **8:49**
